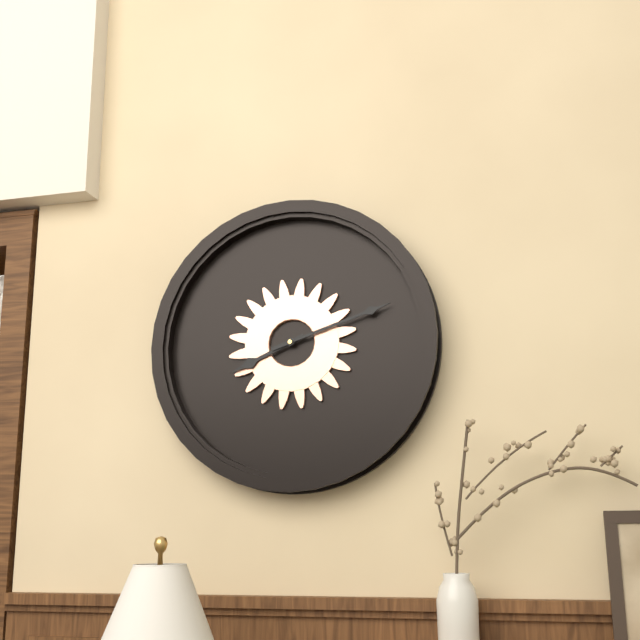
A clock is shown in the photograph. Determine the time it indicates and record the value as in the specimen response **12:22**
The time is **8:12**
